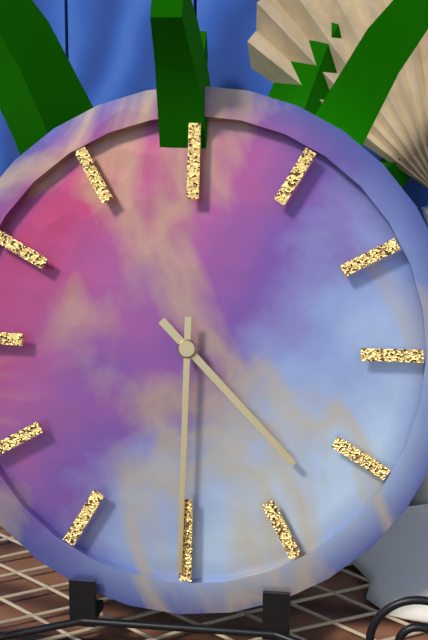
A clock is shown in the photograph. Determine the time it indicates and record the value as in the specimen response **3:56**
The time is **4:30**
